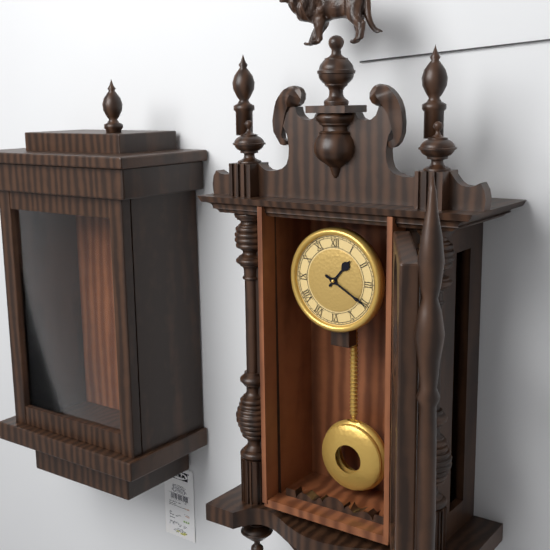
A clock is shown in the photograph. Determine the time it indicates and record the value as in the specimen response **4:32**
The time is **1:20**
